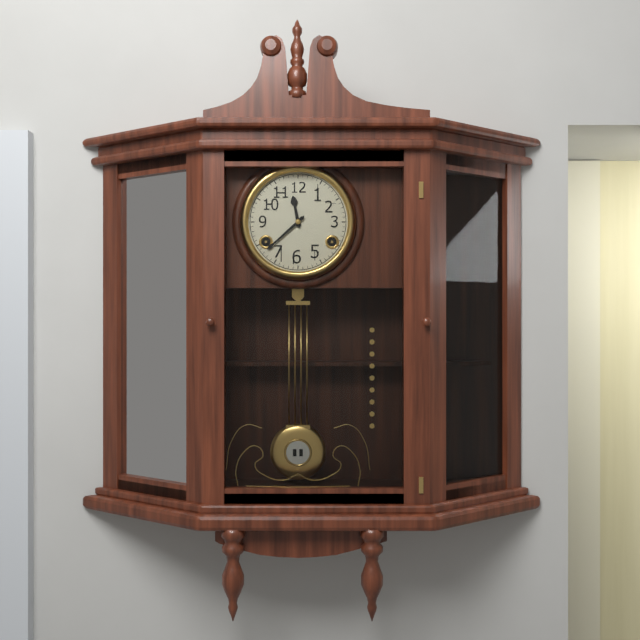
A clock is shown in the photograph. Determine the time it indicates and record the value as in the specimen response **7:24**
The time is **11:38**
